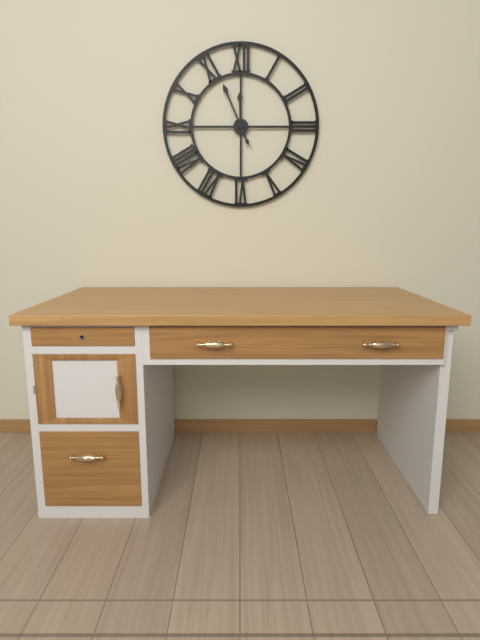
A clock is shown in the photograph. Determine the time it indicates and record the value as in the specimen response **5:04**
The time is **11:56**
